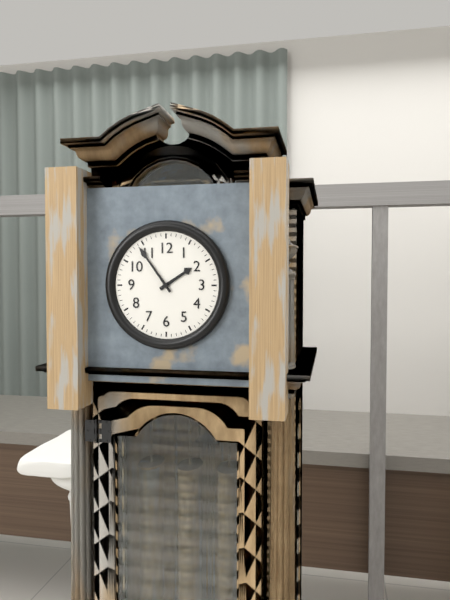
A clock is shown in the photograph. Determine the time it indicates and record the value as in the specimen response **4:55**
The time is **1:54**
